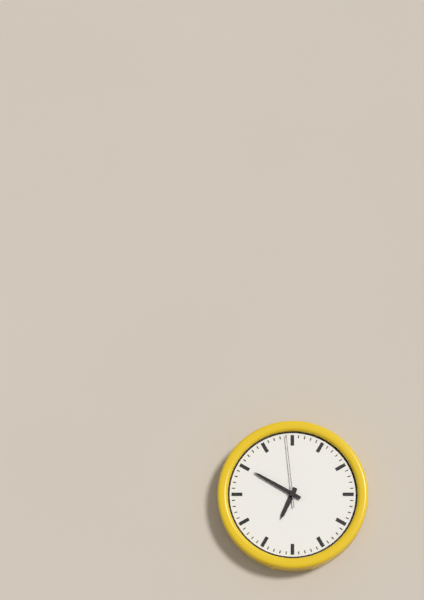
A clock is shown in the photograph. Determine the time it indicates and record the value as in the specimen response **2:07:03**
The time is **6:50:59**
